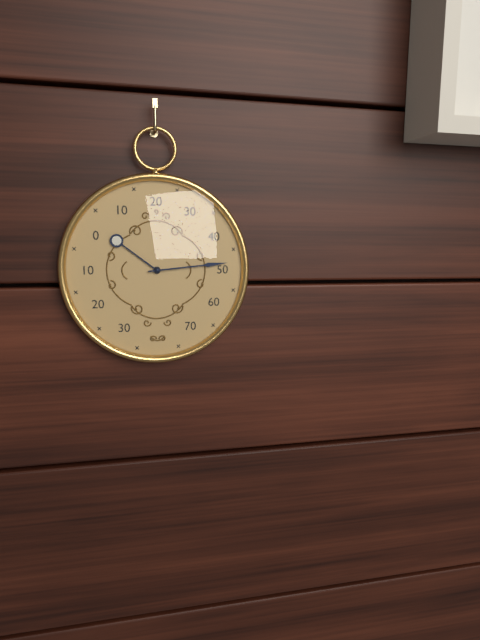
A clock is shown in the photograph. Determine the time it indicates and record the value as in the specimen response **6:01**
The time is **10:14**
